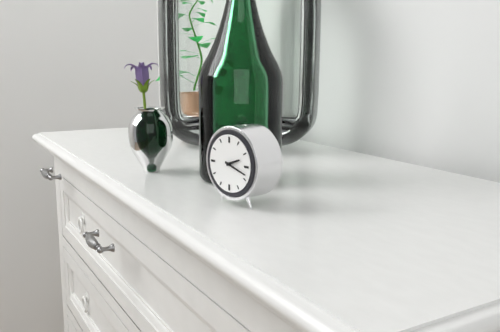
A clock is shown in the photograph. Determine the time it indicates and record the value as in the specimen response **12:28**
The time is **2:18**
